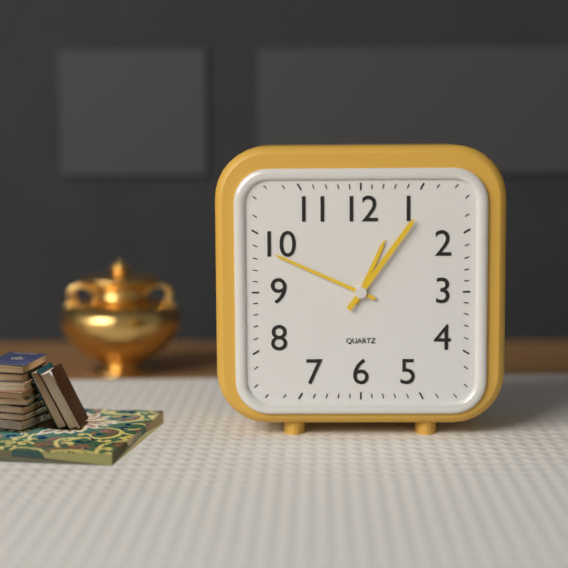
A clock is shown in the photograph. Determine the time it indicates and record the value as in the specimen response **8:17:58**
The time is **12:49:06**
